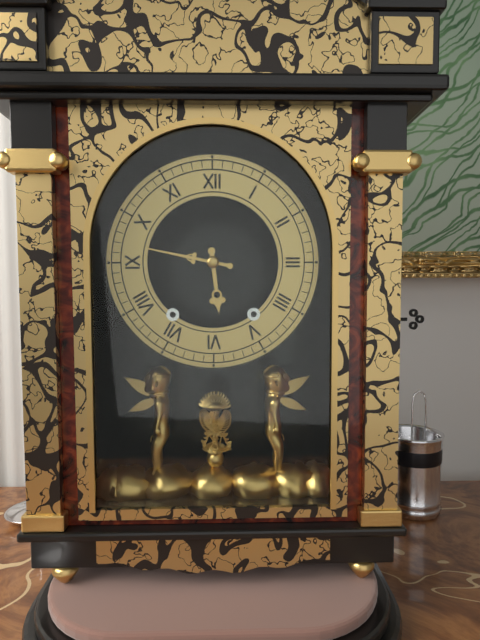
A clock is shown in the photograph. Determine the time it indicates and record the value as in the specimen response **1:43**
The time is **5:47**
